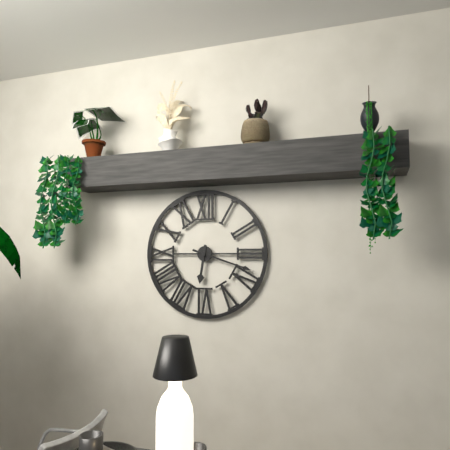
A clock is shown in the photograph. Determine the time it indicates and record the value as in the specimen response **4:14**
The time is **6:18**
